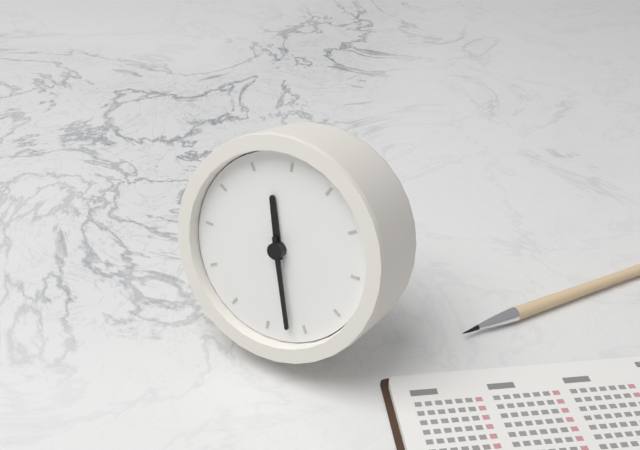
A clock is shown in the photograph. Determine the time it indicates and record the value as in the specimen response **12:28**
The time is **11:27**
